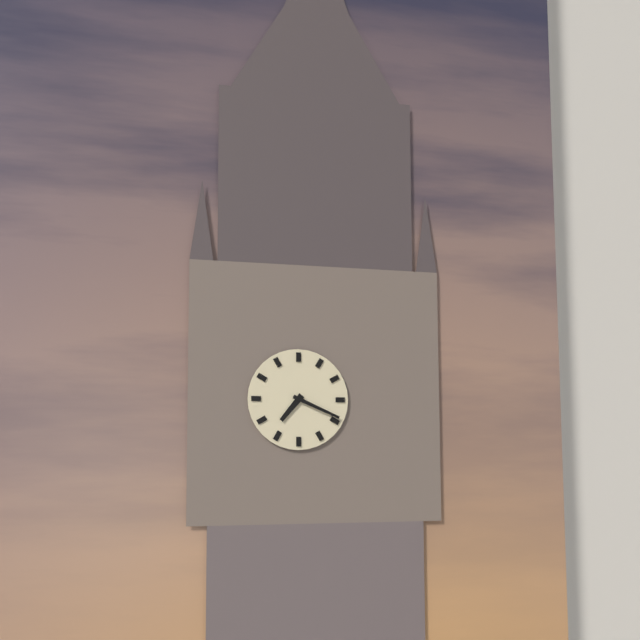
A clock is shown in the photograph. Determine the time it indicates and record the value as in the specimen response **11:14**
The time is **7:19**
